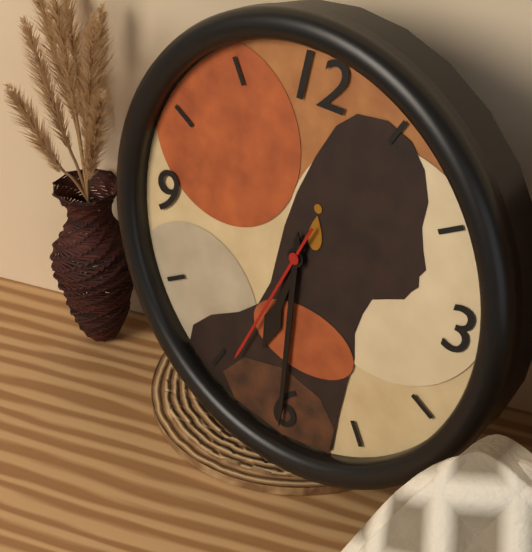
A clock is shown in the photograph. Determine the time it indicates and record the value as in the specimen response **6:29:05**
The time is **6:30:34**
